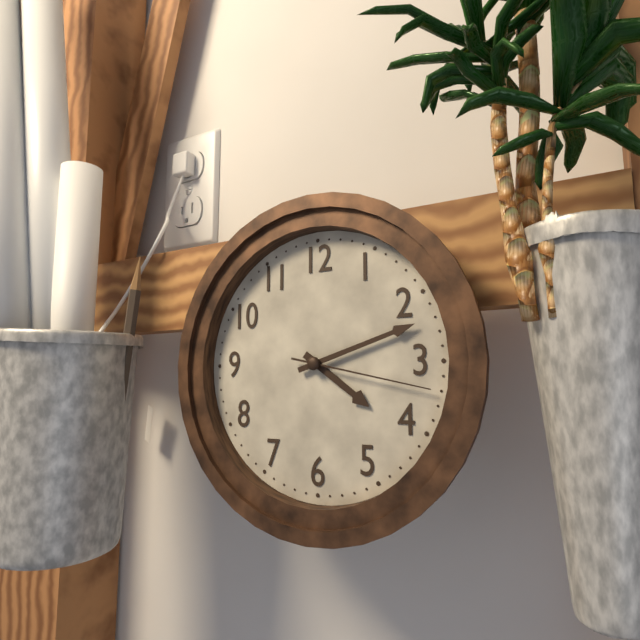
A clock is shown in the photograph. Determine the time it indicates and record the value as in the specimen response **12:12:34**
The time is **4:12:17**
